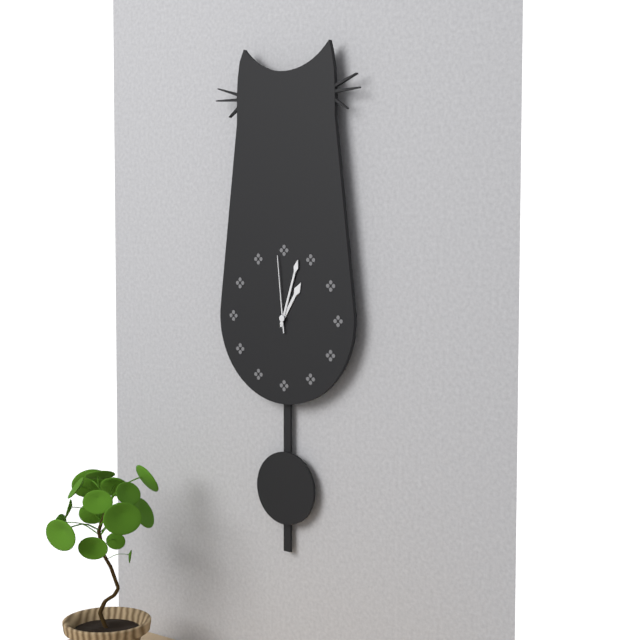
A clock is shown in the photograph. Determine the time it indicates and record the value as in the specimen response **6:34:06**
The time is **1:03:59**
